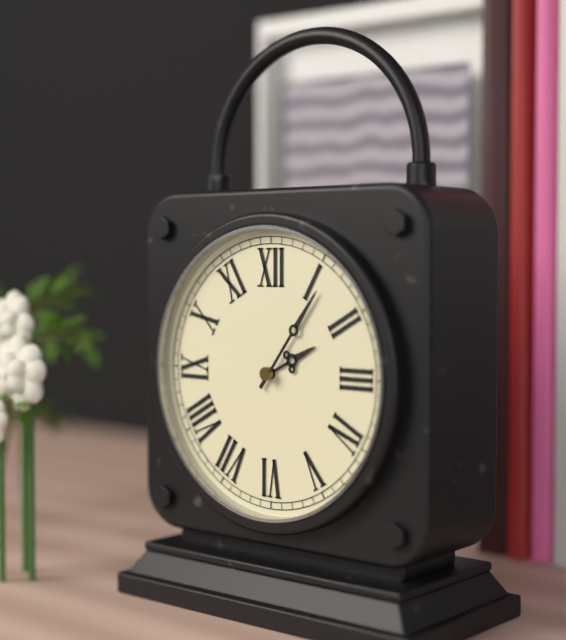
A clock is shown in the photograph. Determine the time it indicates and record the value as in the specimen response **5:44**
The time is **2:06**
